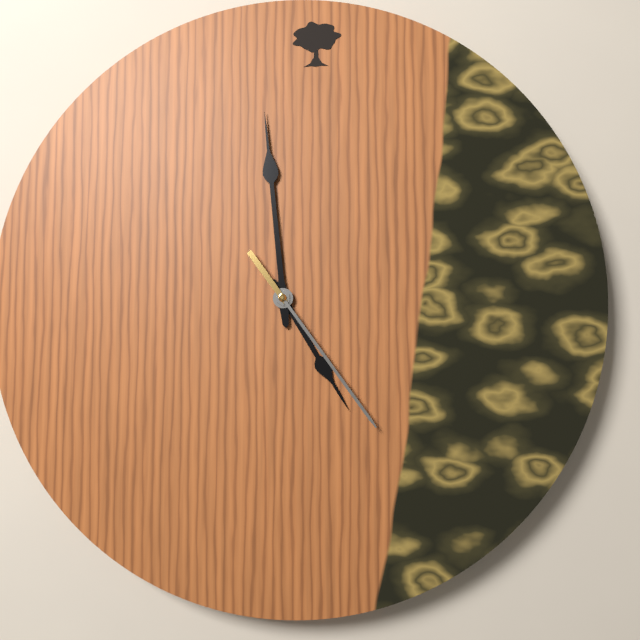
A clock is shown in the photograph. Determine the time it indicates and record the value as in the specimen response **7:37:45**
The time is **4:59:24**
